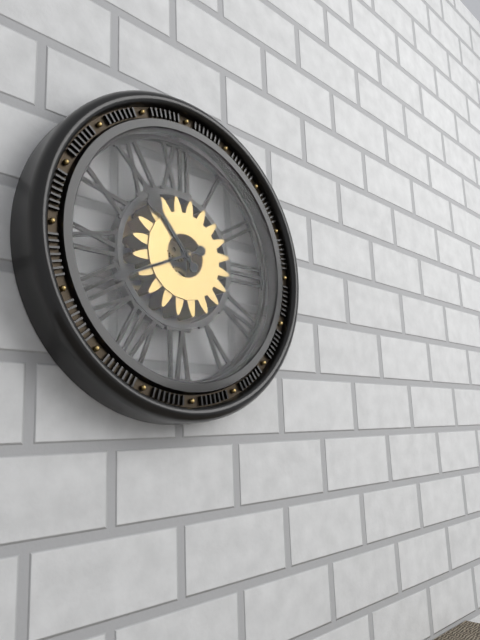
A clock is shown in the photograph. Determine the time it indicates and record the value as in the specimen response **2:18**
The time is **10:41**
